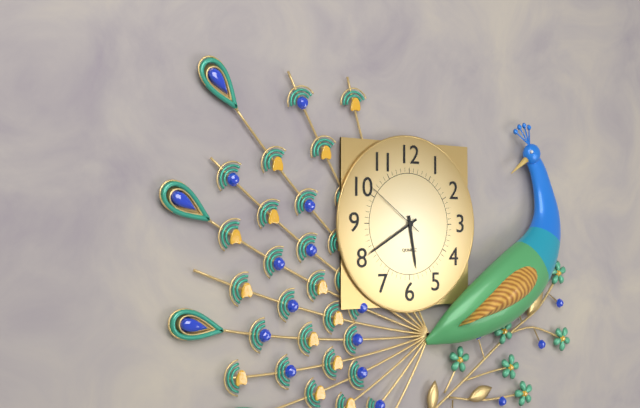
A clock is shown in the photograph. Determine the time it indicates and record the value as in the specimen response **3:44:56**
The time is **5:40:51**
